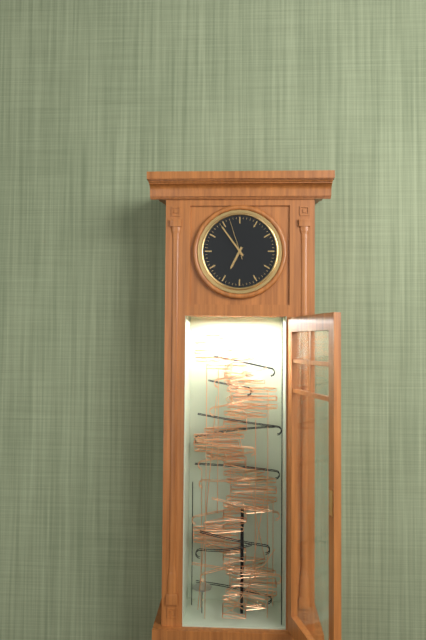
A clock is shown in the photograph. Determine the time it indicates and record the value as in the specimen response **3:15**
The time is **6:54**
